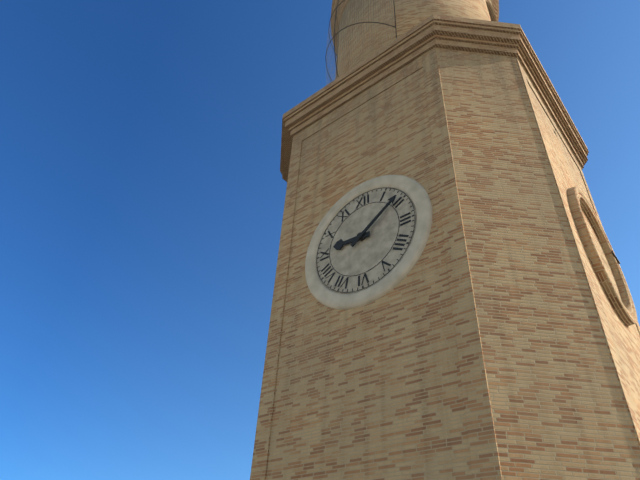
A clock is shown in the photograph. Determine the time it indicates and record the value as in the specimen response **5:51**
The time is **9:09**
